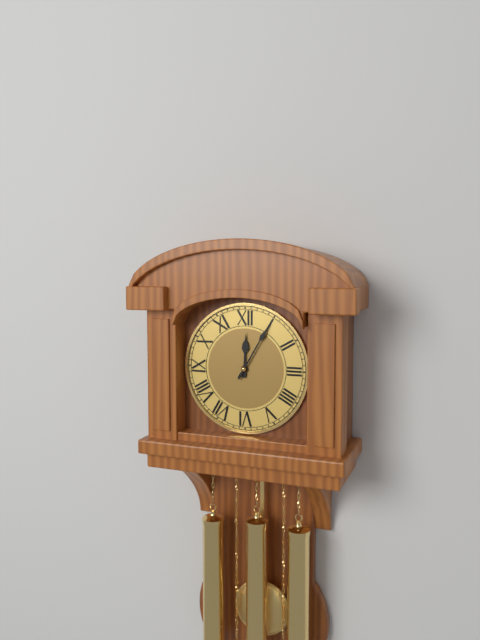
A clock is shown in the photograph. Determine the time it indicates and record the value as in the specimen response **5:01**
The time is **12:05**
